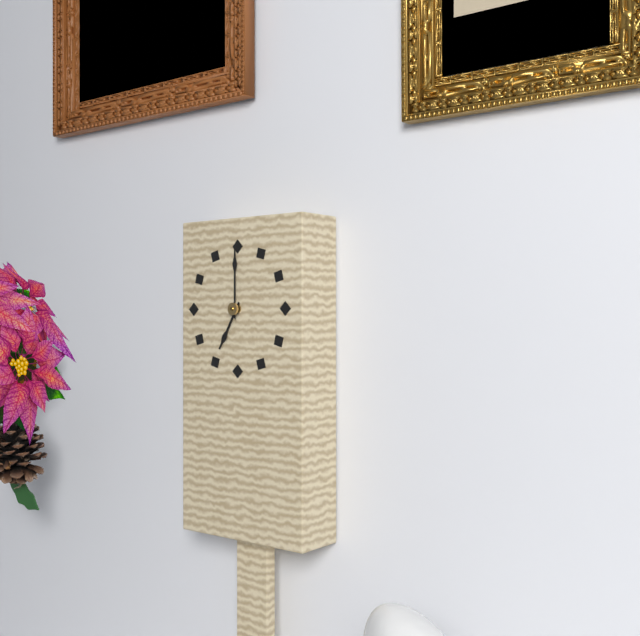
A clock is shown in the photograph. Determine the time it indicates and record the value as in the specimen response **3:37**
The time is **7:00**
